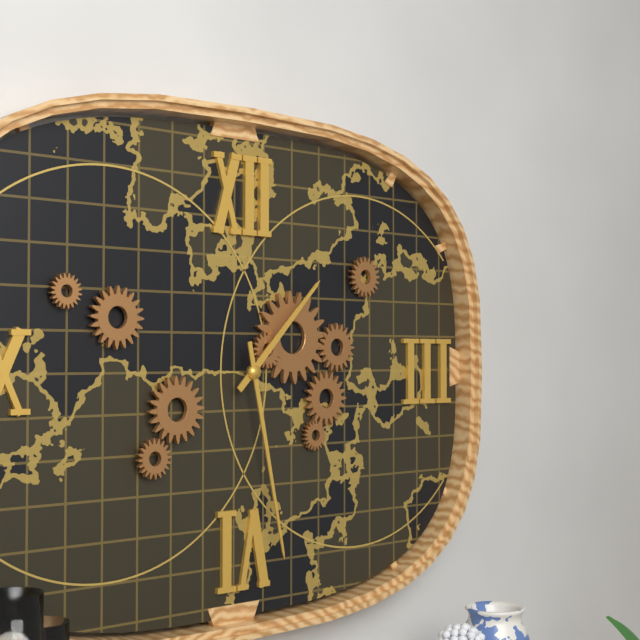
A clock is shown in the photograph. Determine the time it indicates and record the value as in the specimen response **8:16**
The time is **1:28**
